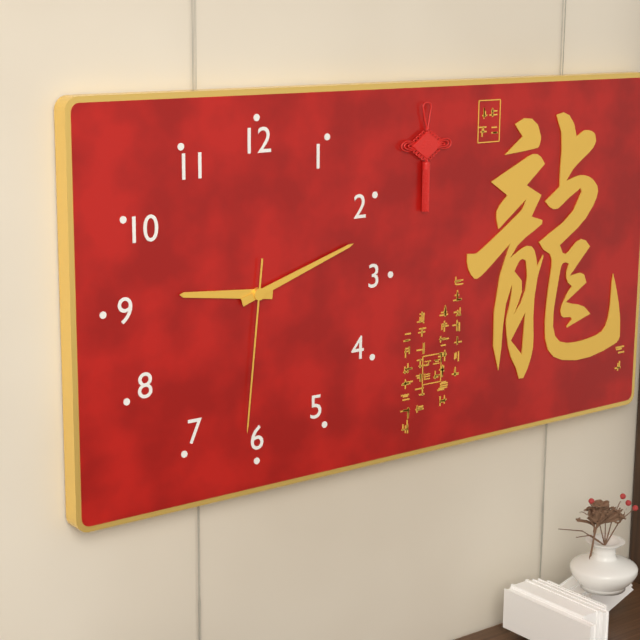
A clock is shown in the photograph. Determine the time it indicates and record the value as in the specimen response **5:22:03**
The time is **9:12:31**
